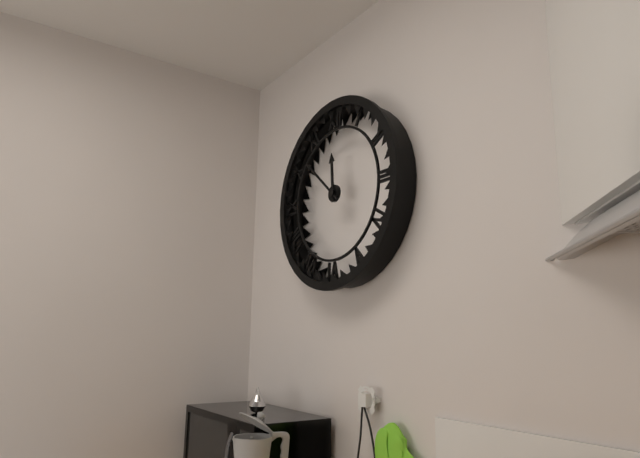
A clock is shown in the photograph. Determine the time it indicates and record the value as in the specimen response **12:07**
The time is **11:52**
